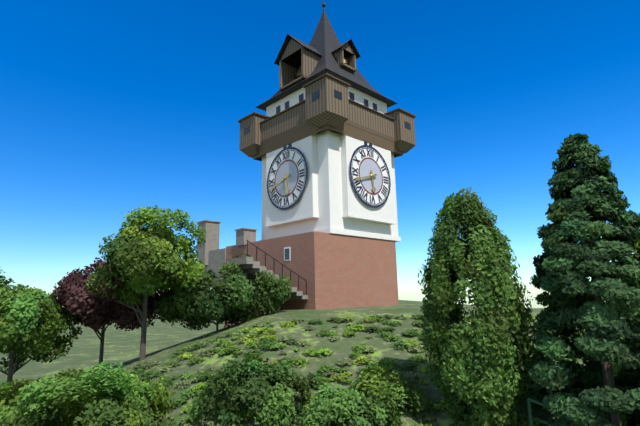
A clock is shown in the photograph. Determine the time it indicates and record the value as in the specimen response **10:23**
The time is **5:42**
